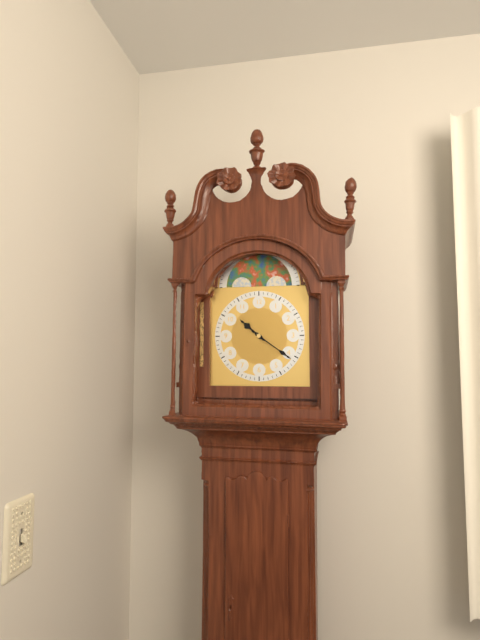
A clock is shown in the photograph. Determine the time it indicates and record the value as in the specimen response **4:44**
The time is **10:21**
